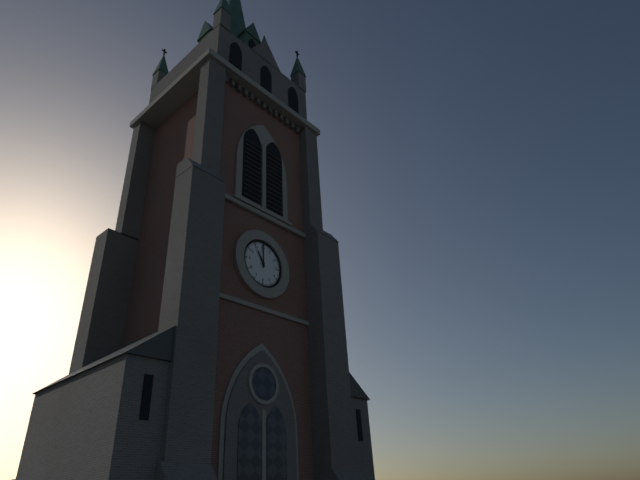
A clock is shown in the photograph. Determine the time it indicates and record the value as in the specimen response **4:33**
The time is **11:00**
